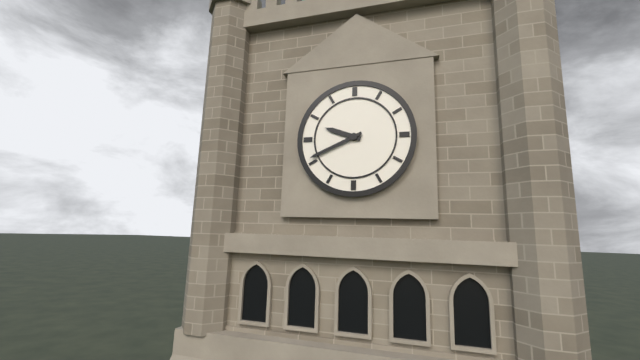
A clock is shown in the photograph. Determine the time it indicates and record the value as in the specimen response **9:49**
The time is **9:41**
